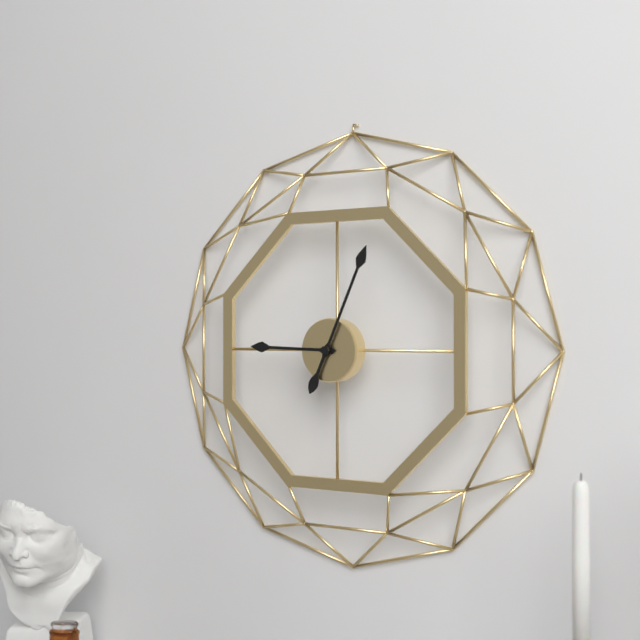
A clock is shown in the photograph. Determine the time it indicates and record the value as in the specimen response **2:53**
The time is **9:04**
